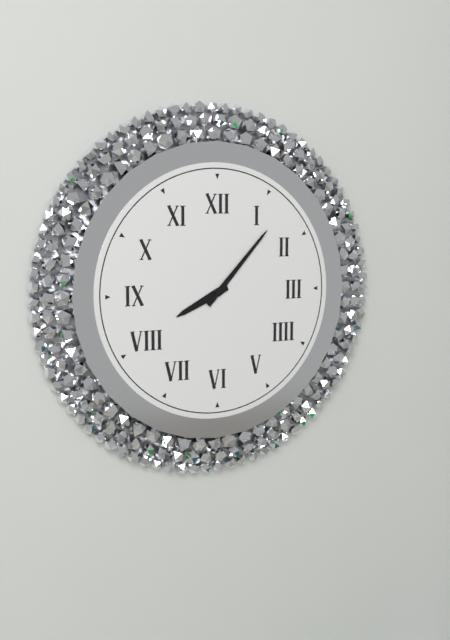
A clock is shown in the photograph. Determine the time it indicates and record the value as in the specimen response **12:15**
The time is **8:07**
